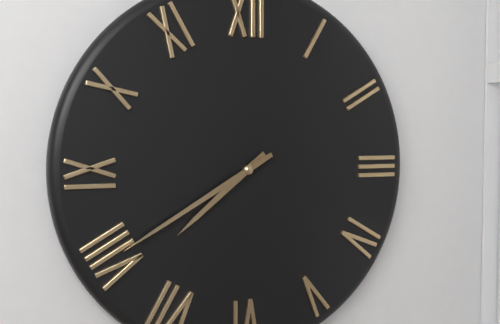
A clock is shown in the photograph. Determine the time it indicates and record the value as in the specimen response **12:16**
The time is **7:40**
